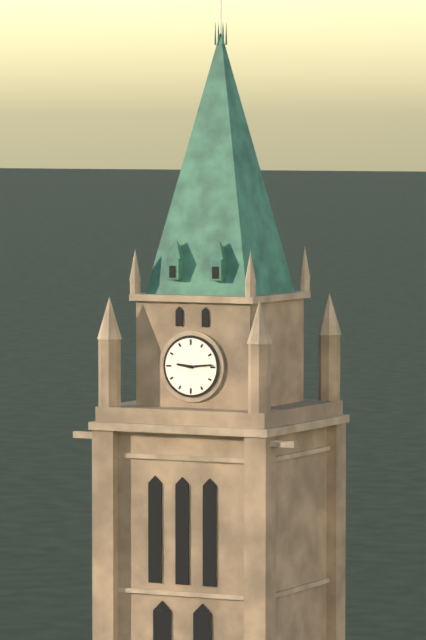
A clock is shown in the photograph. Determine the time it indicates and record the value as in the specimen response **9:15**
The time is **9:14**
